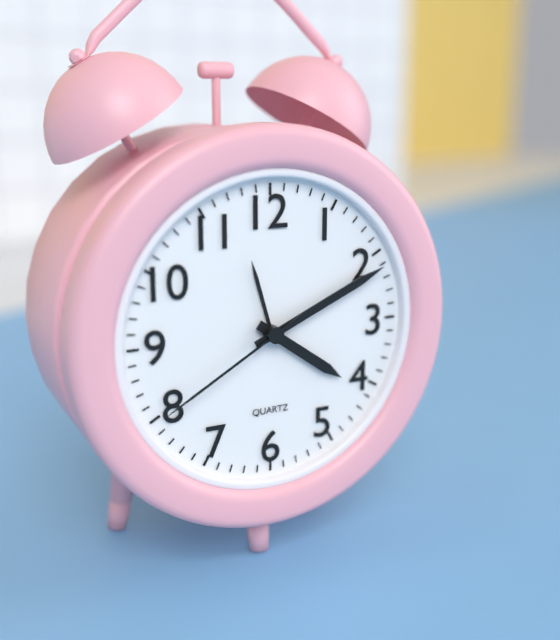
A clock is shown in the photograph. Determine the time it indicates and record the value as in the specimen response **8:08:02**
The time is **4:11:40**
